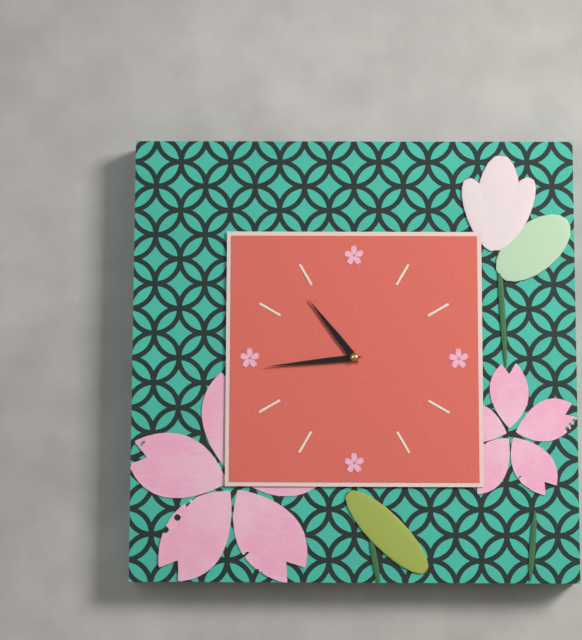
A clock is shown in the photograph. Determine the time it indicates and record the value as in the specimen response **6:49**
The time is **10:44**
